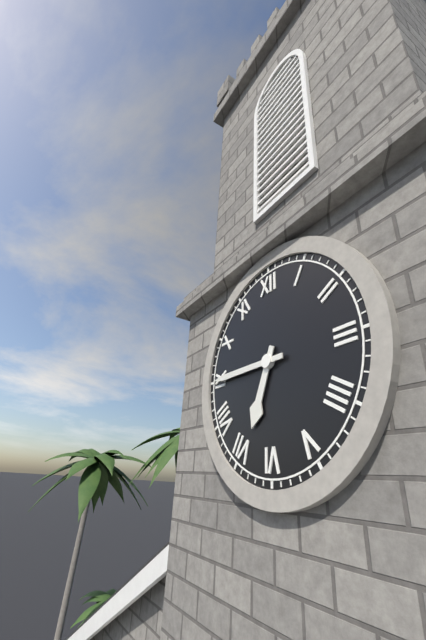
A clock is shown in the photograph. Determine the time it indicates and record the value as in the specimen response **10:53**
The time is **6:45**
